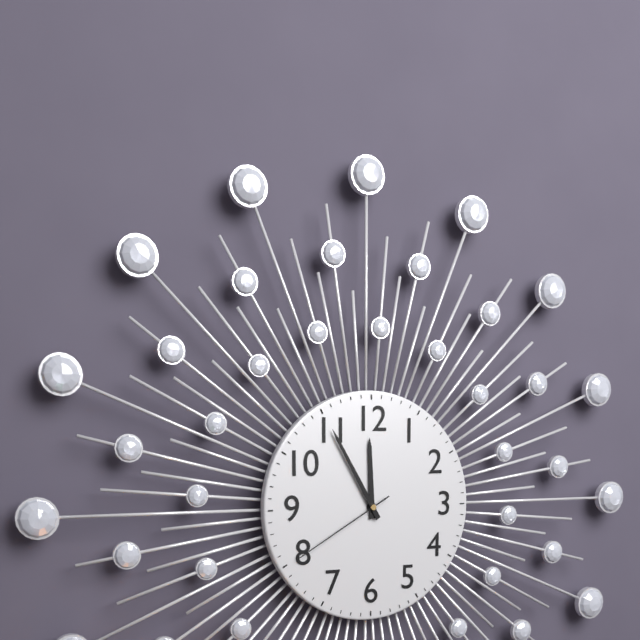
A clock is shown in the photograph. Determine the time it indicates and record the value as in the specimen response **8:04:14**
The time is **11:55:40**
